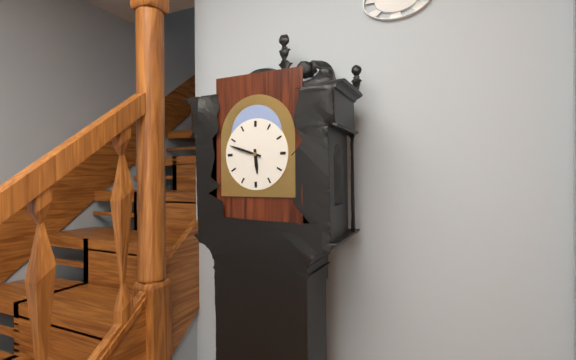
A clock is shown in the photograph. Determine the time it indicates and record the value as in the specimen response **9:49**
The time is **5:48**
